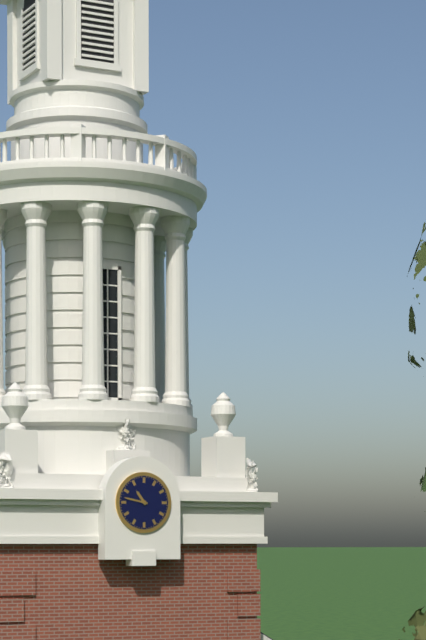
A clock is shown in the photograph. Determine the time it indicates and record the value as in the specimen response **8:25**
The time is **10:47**
